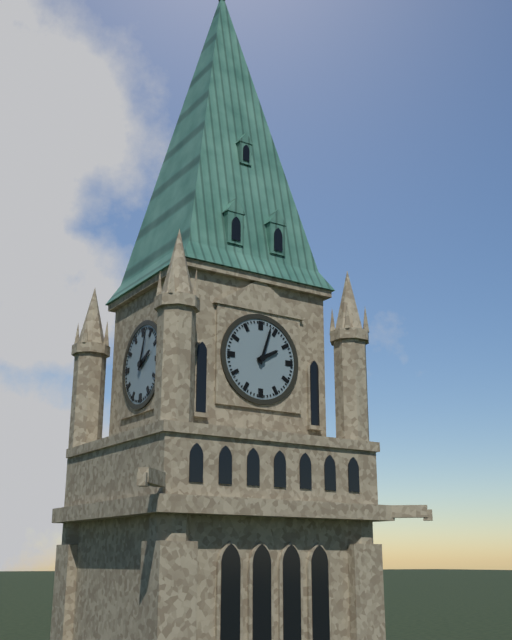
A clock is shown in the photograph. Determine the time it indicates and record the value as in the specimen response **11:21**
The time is **2:03**
